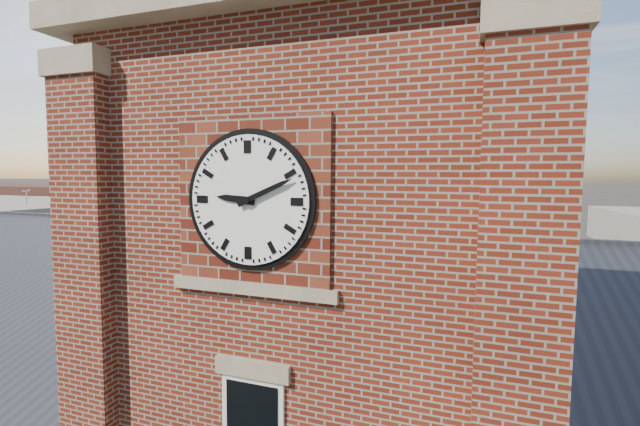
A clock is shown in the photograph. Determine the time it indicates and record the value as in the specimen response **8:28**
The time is **9:11**
